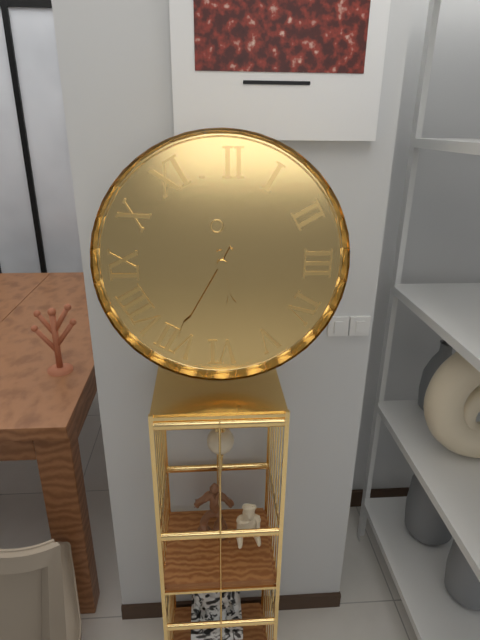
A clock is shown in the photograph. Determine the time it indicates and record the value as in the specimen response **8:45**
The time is **5:35**
